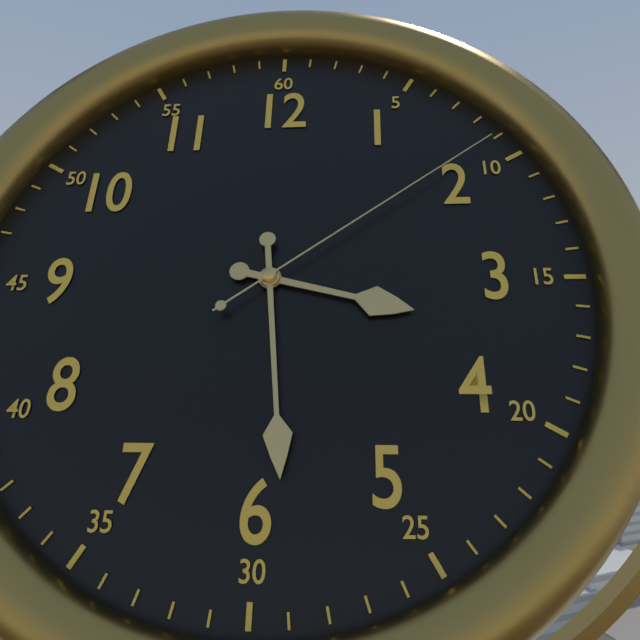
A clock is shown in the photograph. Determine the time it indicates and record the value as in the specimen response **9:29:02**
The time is **3:29:09**
